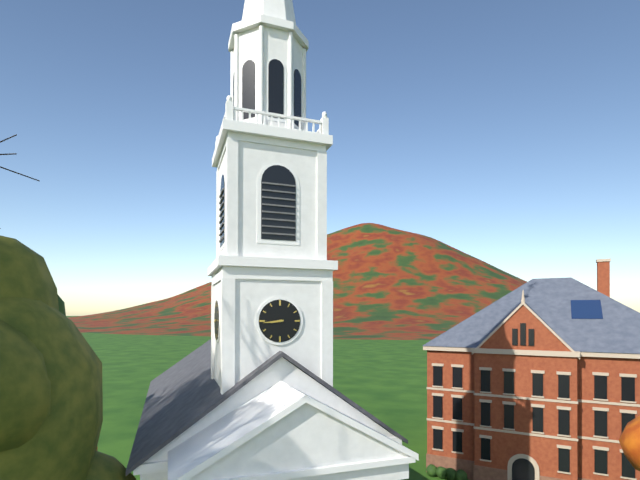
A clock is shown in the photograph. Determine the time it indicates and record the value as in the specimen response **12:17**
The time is **8:44**
